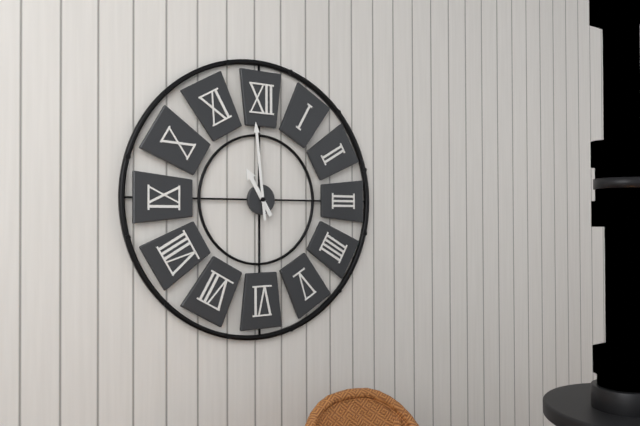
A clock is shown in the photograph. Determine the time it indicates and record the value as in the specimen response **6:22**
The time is **10:59**
